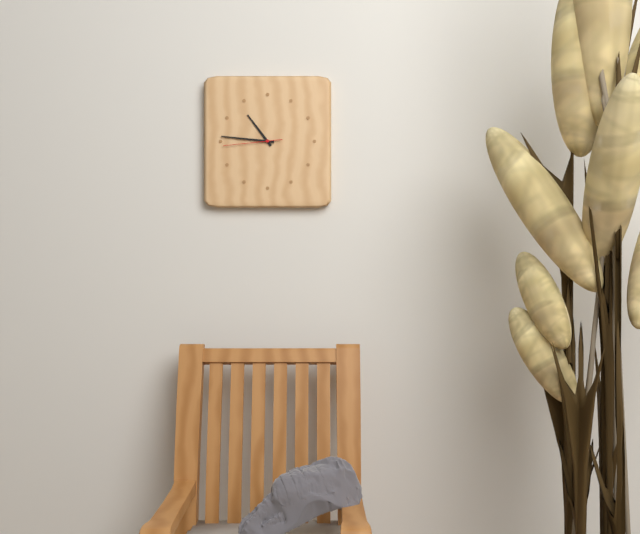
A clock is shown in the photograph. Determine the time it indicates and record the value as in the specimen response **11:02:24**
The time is **10:46:44**
